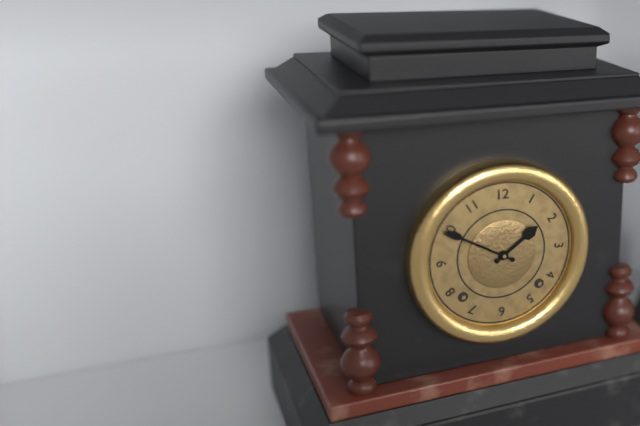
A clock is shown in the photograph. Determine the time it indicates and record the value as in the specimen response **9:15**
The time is **1:50**
